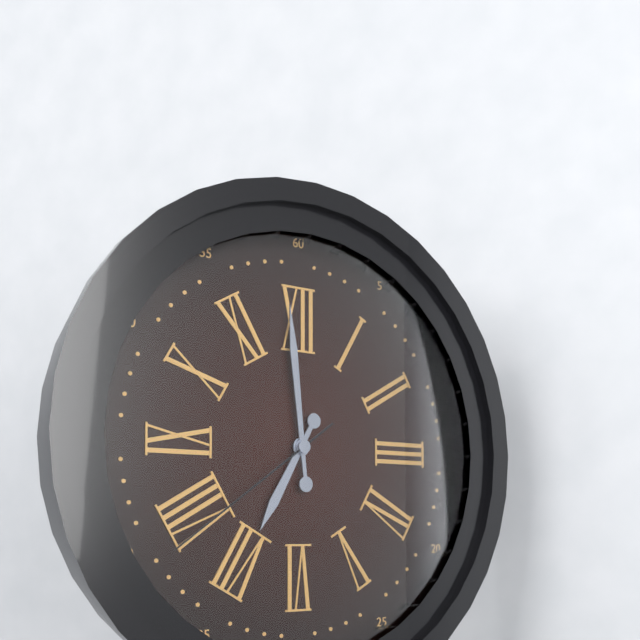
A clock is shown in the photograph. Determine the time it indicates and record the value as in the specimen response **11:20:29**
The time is **6:59:39**
